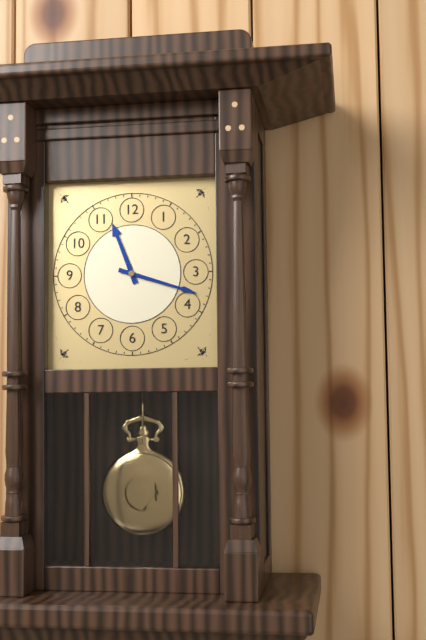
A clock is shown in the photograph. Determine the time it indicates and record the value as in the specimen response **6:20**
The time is **11:18**
